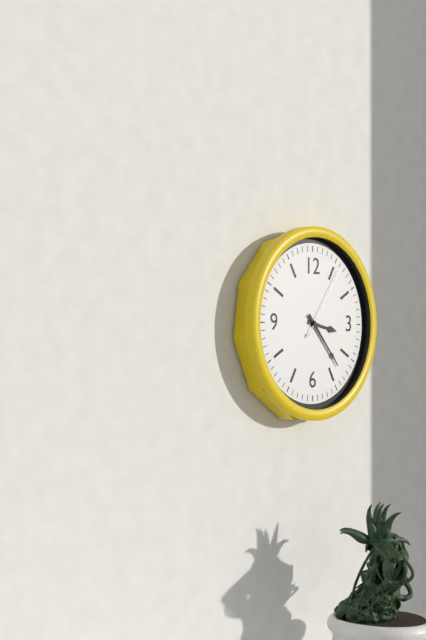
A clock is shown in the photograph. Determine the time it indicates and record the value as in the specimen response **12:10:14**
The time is **3:23:06**
